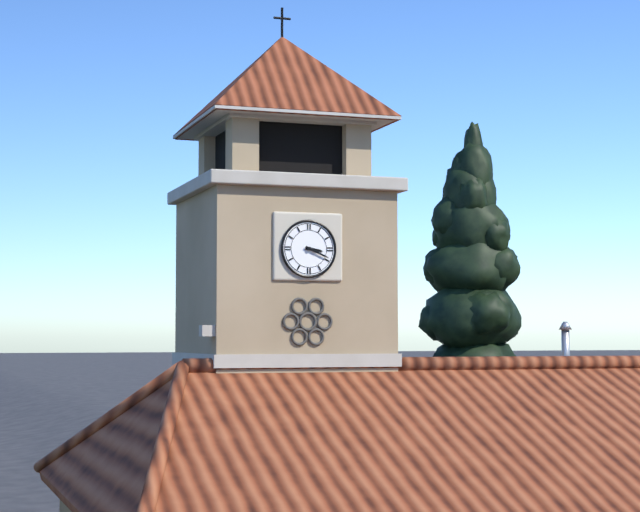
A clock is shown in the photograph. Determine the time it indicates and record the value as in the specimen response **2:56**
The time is **3:19**
